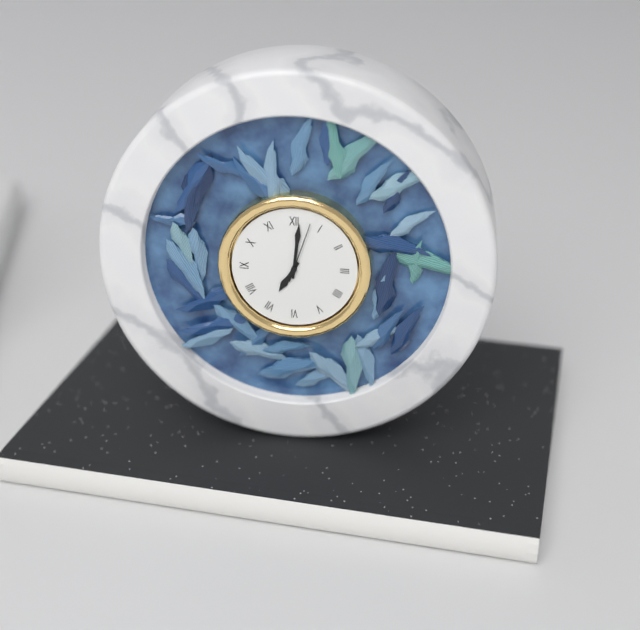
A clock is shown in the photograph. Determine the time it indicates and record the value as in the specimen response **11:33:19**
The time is **7:01:03**
